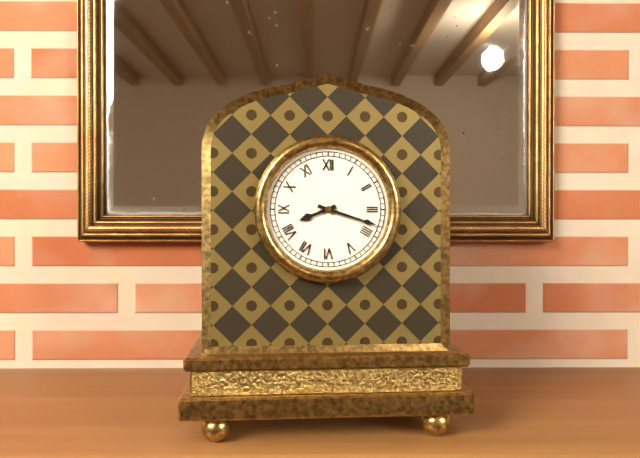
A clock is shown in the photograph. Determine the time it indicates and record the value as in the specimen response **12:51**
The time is **8:18**
